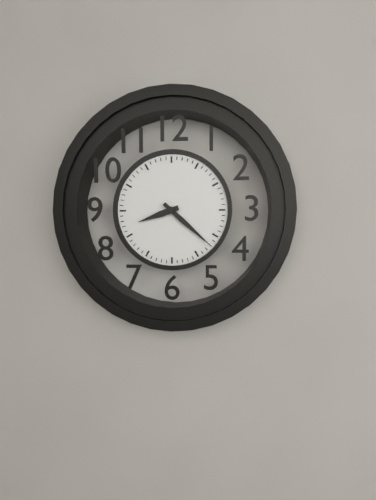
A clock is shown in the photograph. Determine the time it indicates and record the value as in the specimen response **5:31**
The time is **8:22**
